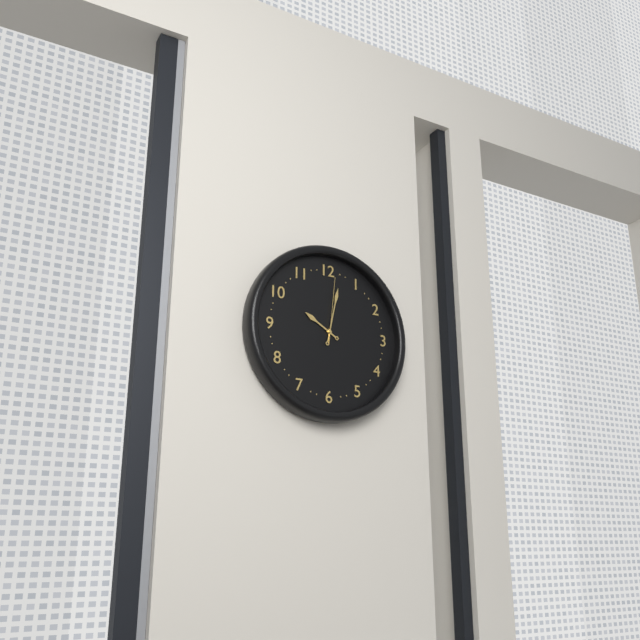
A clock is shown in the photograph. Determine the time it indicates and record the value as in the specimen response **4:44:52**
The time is **10:02:01**
